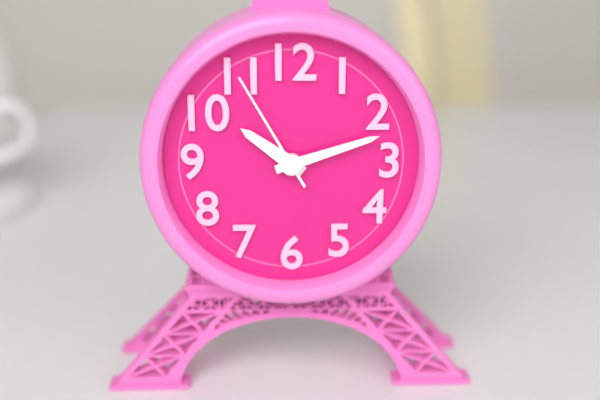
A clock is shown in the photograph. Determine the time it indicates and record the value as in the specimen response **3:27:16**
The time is **10:12:55**
